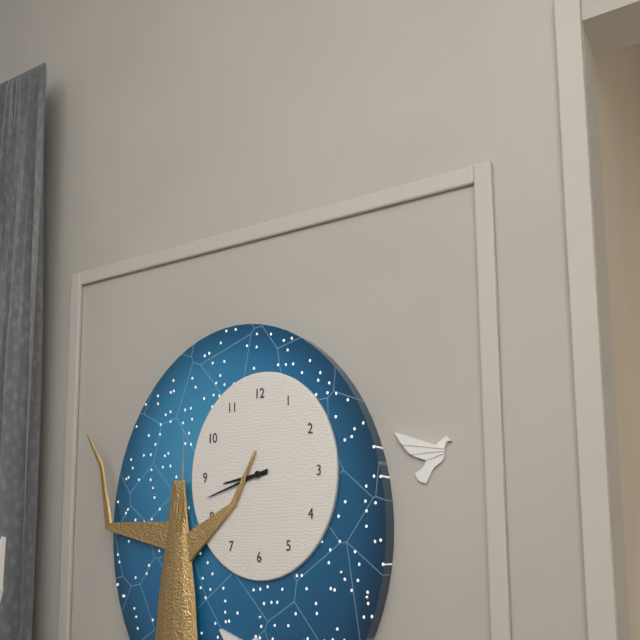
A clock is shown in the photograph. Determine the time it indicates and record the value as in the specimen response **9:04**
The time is **8:42**
